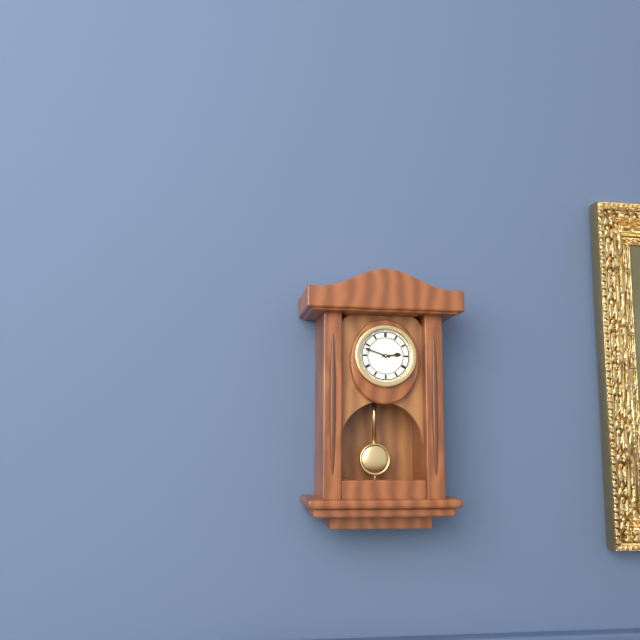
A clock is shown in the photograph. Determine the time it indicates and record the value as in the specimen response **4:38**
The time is **2:48**
